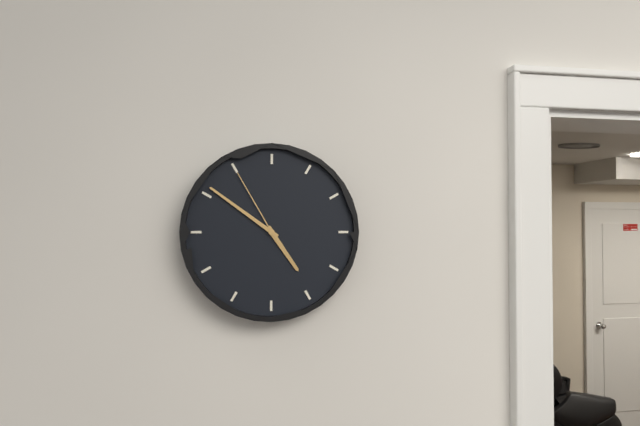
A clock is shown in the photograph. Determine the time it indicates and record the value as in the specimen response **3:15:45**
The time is **4:51:55**
